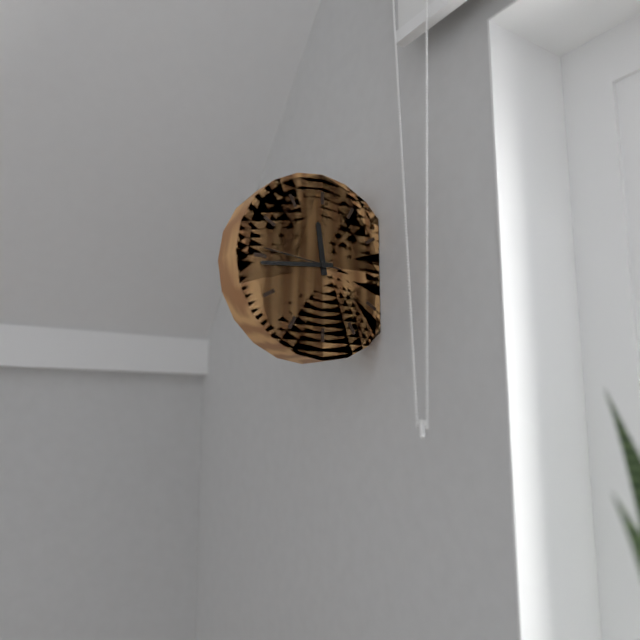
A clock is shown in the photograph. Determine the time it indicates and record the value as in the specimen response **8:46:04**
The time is **11:44:46**
